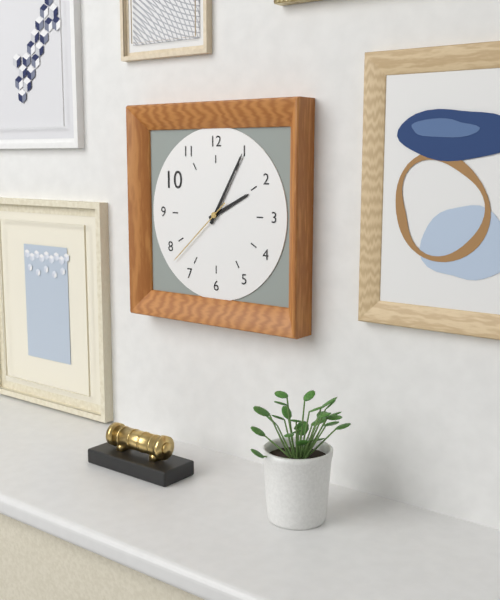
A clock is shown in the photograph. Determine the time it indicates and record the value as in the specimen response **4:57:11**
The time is **2:05:38**
